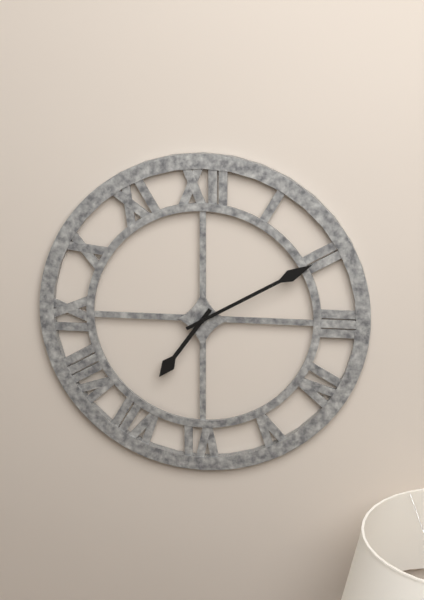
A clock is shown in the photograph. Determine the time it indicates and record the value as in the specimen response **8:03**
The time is **7:10**
